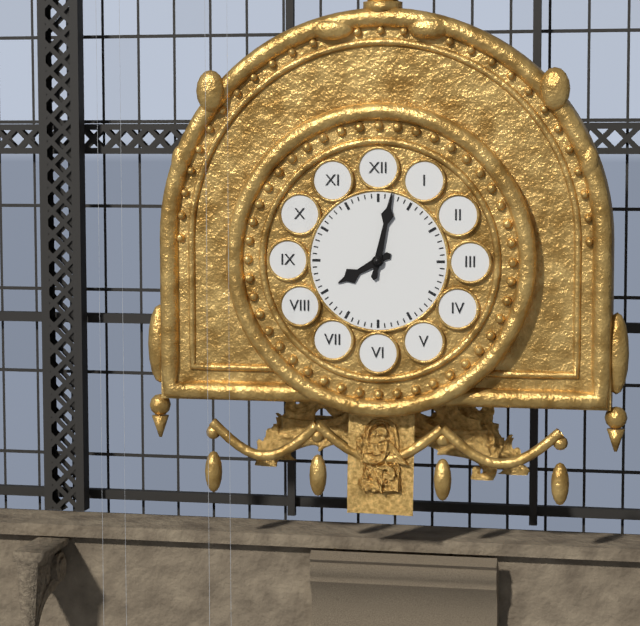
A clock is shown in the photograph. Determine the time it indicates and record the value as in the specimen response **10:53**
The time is **8:02**
